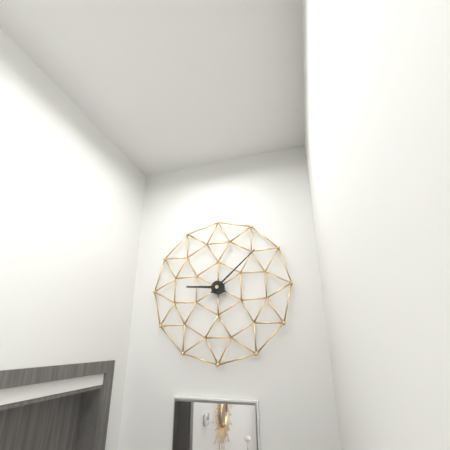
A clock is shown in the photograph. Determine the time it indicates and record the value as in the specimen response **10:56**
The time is **9:08**
